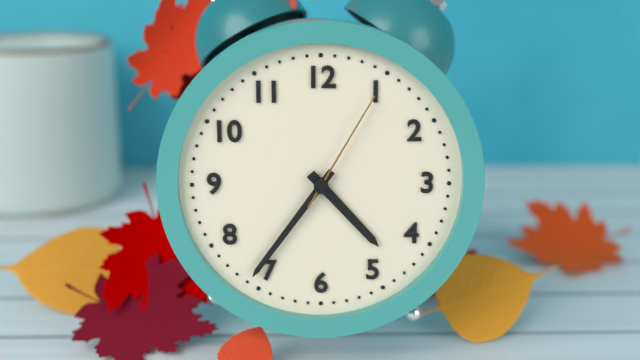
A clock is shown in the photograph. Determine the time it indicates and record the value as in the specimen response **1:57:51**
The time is **4:36:05**
